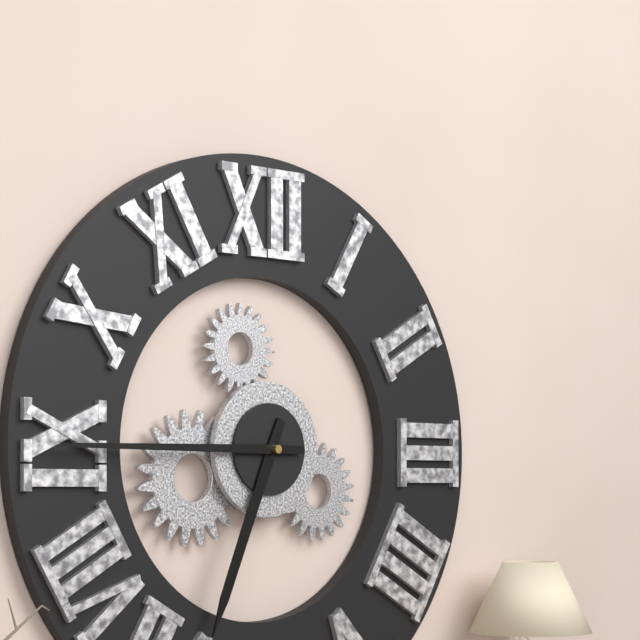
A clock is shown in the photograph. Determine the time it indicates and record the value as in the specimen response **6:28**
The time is **6:45**
